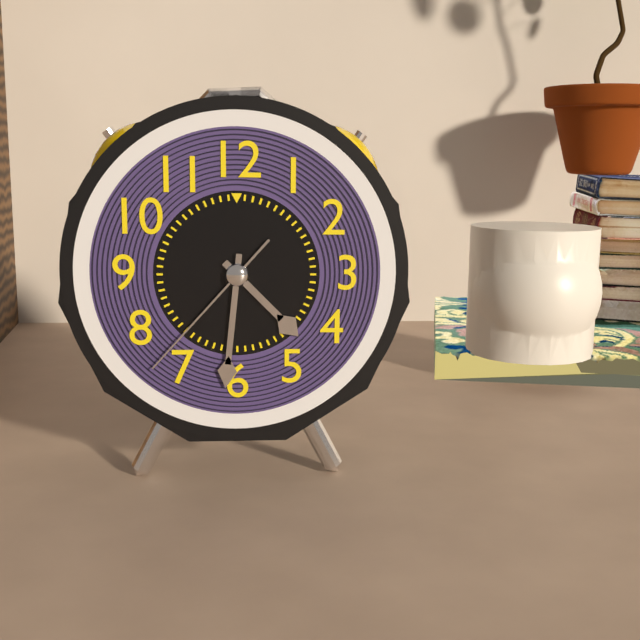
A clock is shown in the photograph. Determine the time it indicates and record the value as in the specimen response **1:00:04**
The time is **4:31:37**
